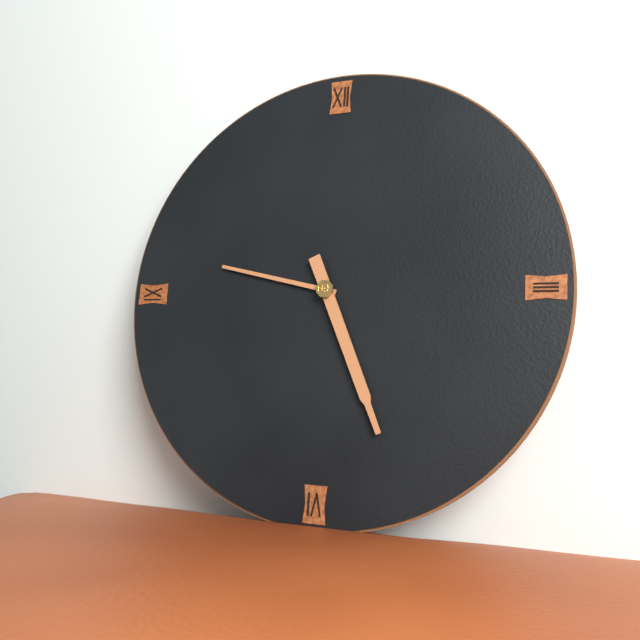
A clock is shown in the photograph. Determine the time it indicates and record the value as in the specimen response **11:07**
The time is **9:26**
